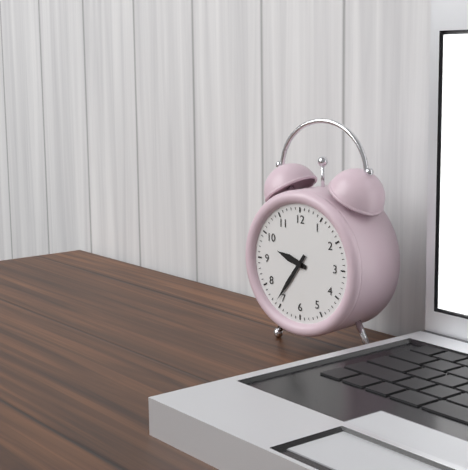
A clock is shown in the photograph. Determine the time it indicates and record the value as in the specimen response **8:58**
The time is **9:36**
